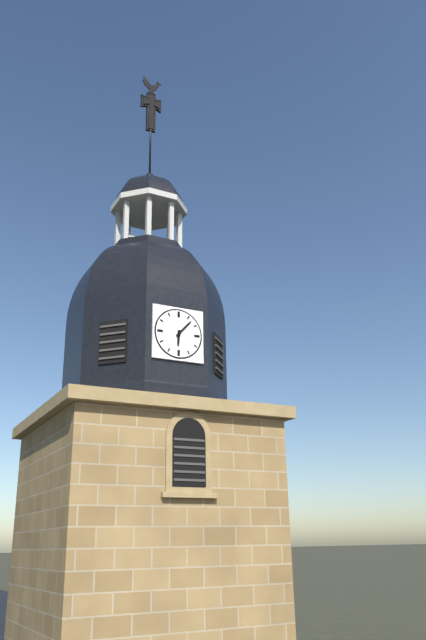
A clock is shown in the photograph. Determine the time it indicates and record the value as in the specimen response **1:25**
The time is **6:07**
